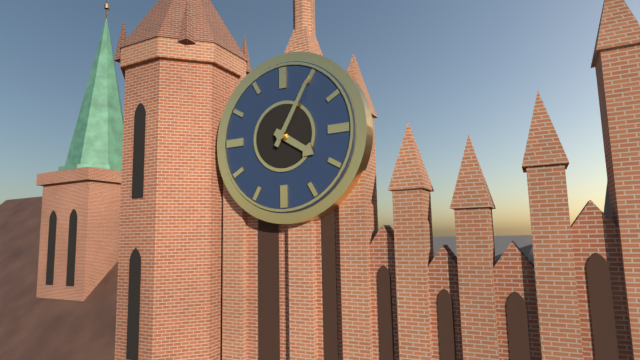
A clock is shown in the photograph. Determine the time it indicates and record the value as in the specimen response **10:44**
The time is **4:05**
